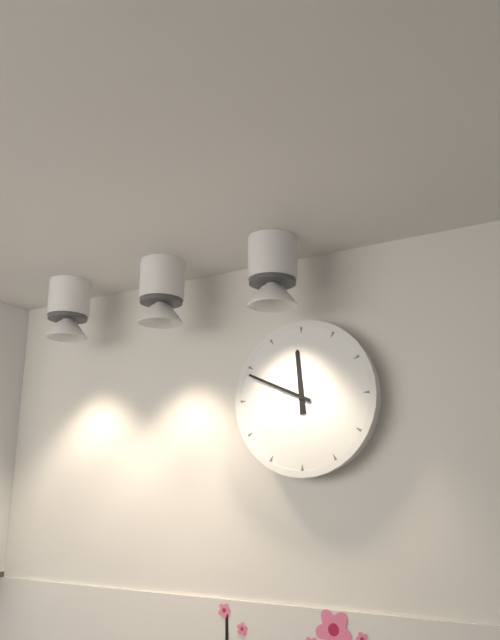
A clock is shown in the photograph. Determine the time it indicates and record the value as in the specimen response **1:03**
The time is **11:49**
